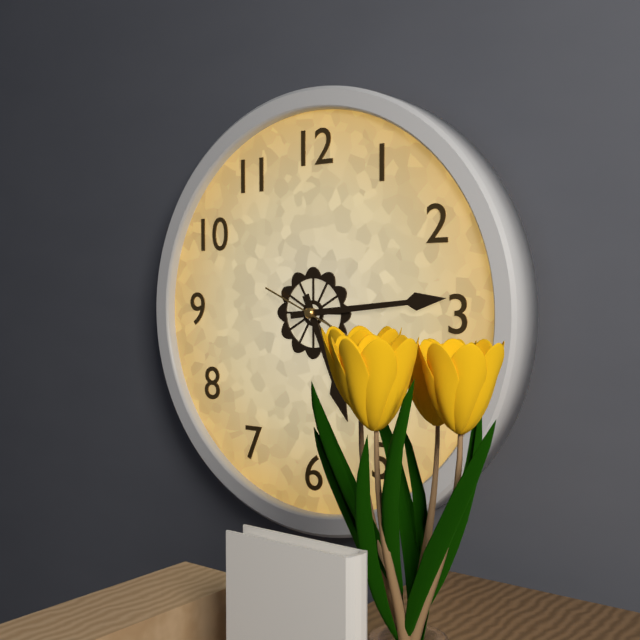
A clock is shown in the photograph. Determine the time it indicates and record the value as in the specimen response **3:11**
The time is **5:14**
